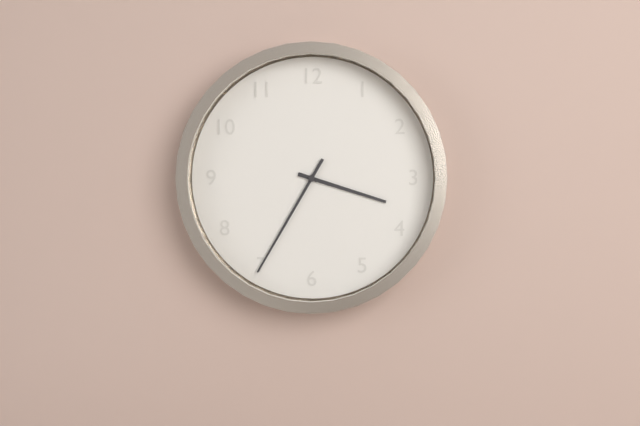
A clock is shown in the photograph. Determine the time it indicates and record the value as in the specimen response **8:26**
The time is **3:35**
